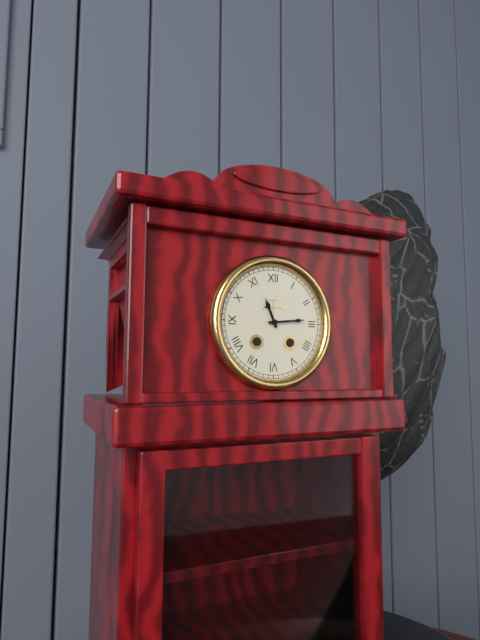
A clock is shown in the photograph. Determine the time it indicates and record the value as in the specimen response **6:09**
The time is **11:14**
